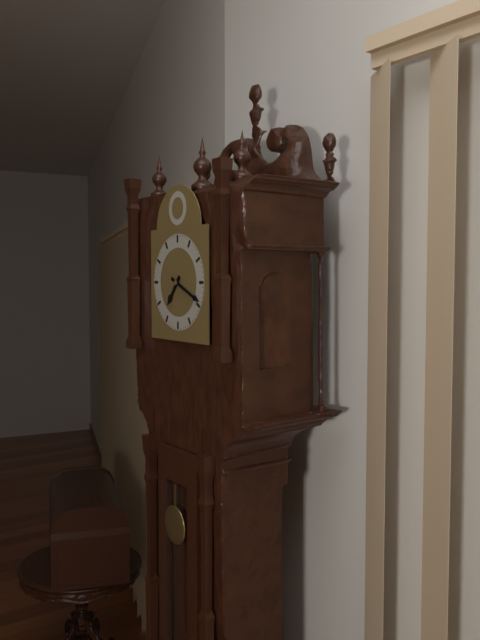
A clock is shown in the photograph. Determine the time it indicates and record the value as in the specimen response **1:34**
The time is **7:19**
